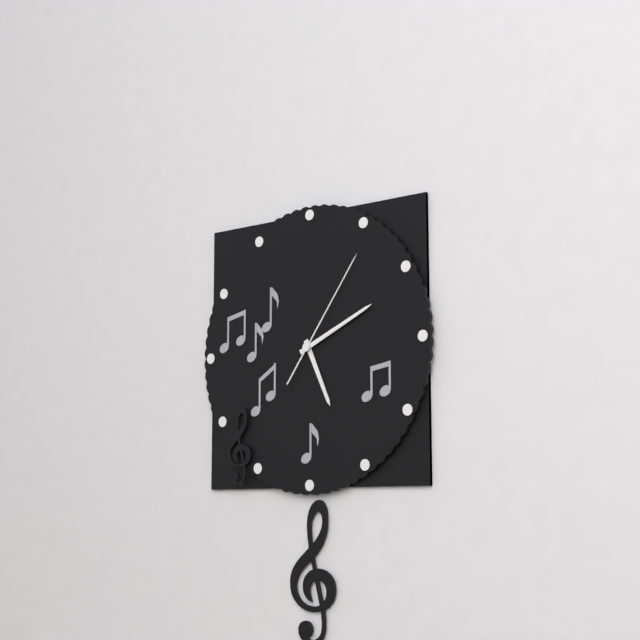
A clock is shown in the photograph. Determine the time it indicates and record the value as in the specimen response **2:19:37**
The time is **5:11:06**
